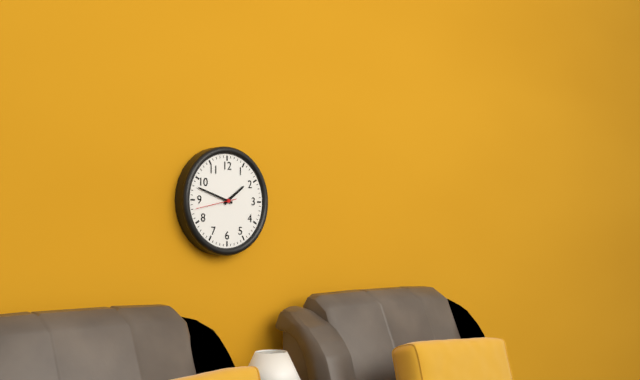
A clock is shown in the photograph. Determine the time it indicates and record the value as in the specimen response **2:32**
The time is **1:48**
